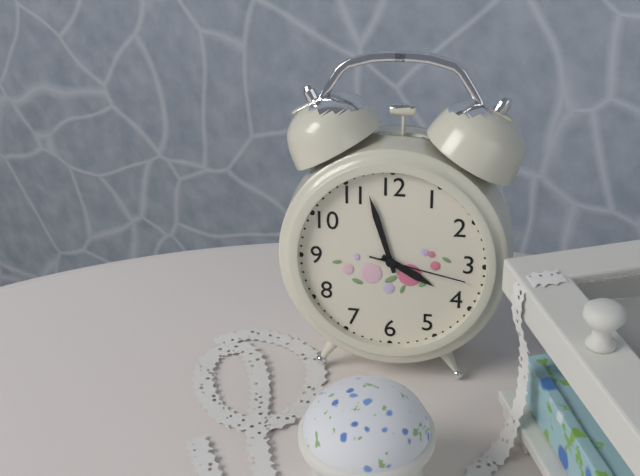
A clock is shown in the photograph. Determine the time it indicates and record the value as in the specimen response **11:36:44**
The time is **3:57:17**
